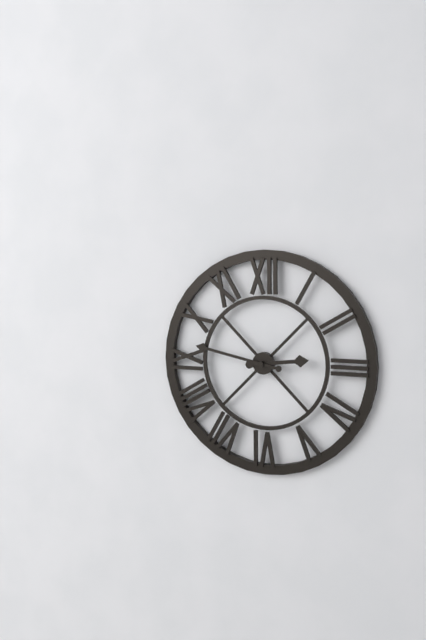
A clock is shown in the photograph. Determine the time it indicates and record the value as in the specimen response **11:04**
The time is **2:47**
